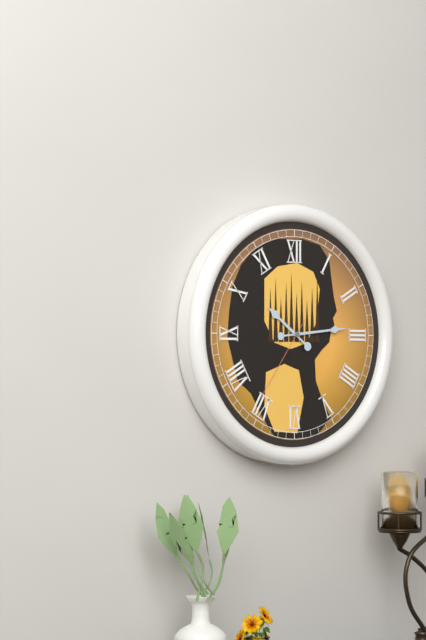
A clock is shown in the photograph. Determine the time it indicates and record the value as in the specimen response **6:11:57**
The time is **10:14:36**
